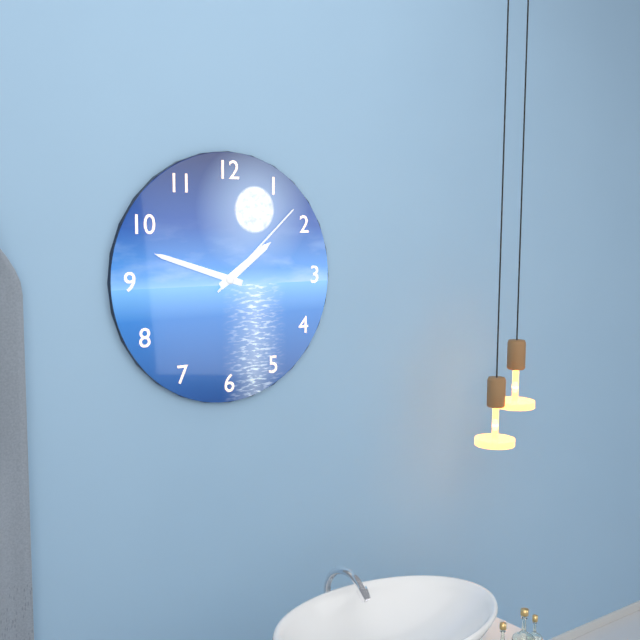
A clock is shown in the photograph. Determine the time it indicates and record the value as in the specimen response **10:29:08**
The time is **1:48:08**
